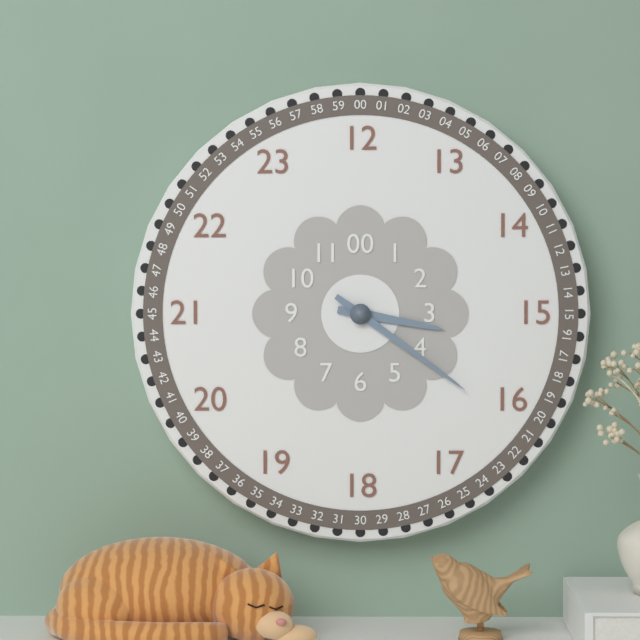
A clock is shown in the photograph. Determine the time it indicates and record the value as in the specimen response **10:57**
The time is **3:21**
